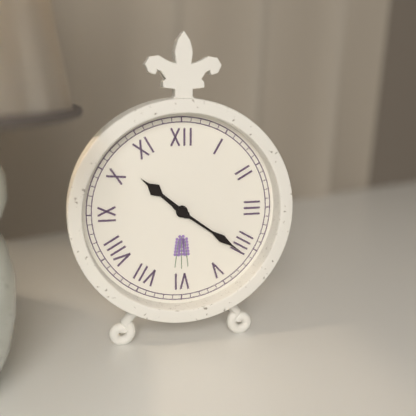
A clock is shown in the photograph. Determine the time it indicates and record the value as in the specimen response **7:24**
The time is **10:21**
